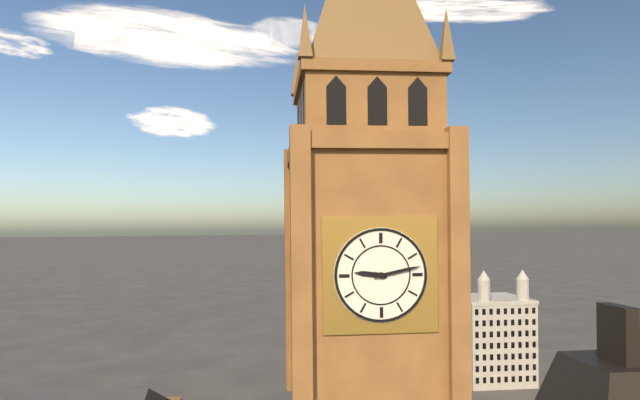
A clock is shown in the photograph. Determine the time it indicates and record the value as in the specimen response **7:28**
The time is **9:13**
